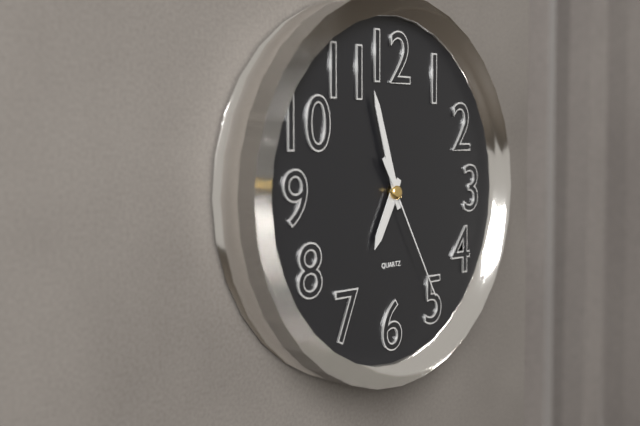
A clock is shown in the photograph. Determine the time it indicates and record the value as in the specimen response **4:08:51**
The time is **6:57:25**
